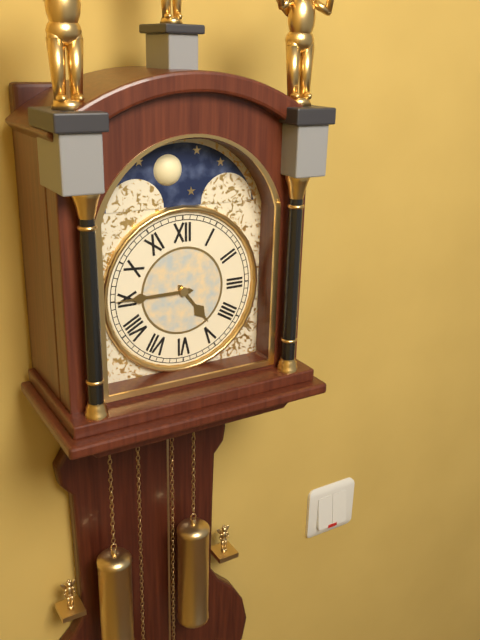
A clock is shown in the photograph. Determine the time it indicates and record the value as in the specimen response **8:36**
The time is **4:45**
